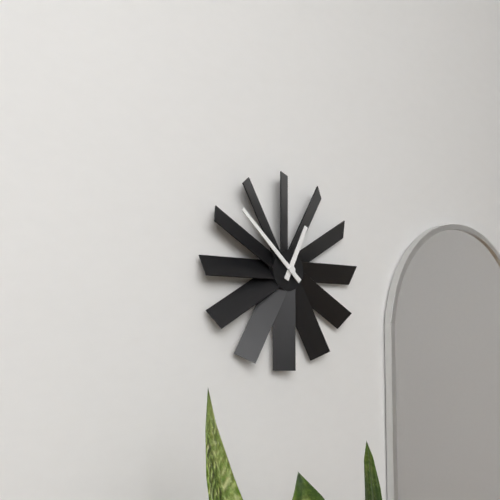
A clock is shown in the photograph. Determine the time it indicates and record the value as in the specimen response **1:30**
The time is **12:52**
